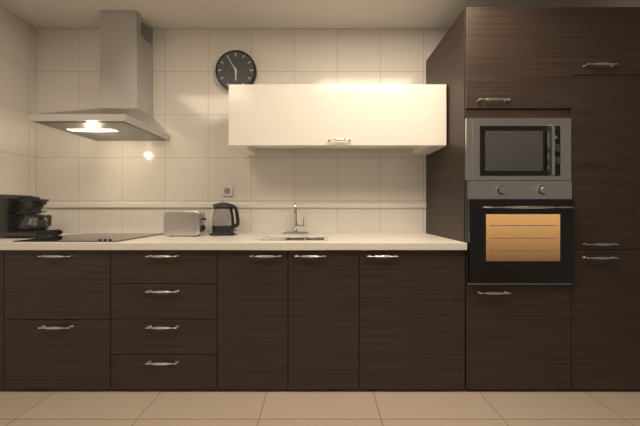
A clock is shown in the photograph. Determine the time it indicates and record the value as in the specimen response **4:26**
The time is **5:55**
